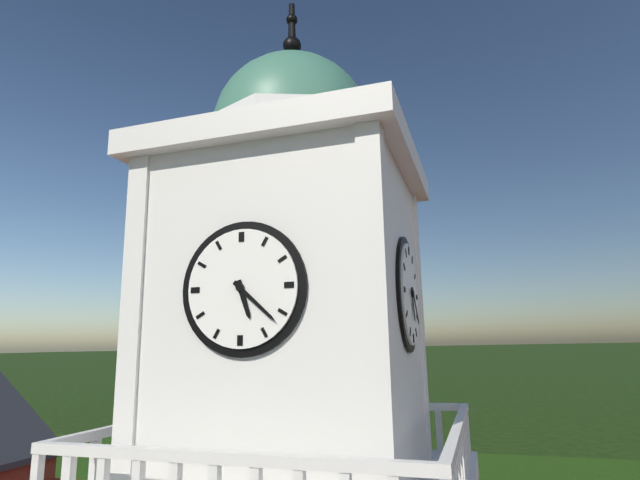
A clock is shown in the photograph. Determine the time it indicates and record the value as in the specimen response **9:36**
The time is **5:22**
